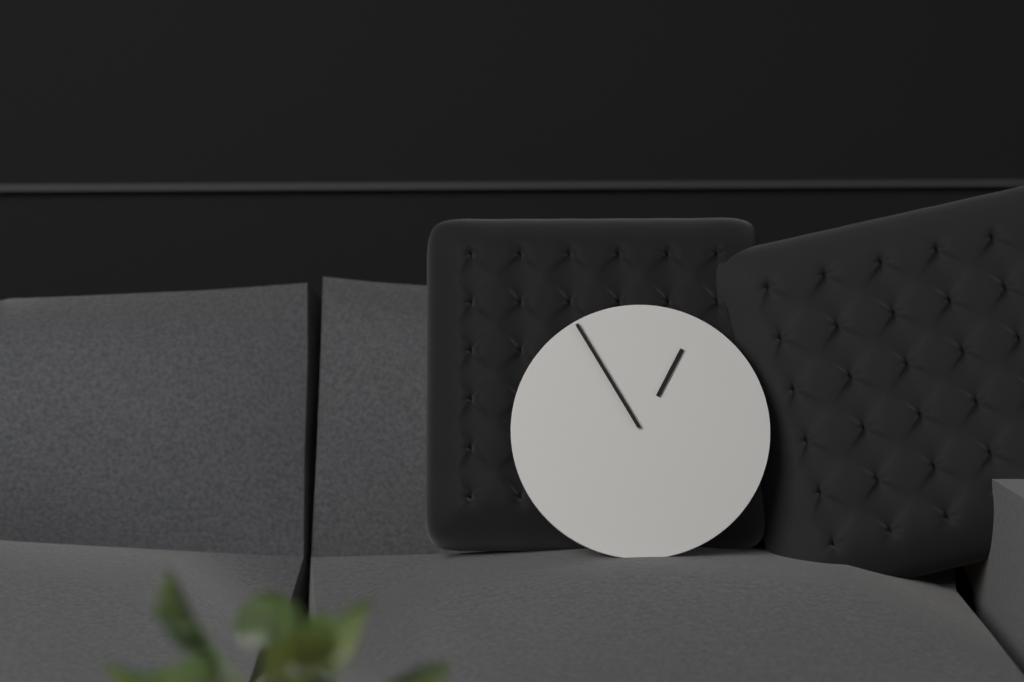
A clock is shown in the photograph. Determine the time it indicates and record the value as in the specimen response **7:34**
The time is **12:55**
